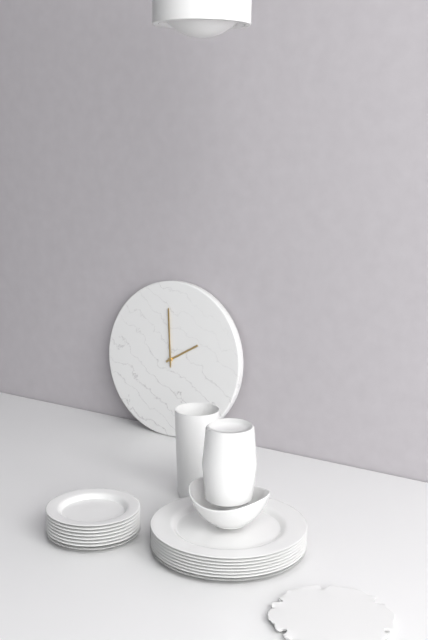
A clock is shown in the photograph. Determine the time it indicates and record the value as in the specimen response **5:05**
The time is **1:59**
